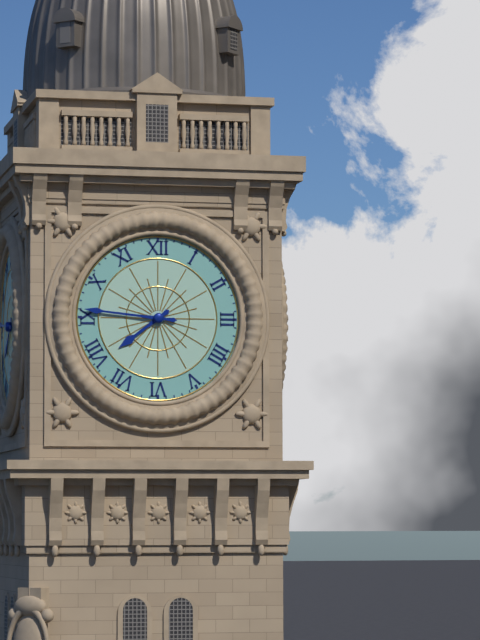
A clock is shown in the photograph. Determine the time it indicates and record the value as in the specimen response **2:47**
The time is **7:46**
